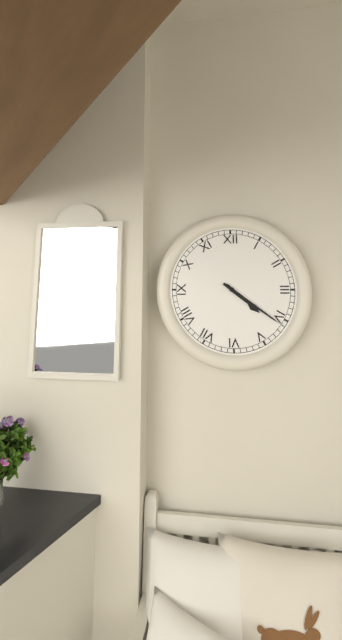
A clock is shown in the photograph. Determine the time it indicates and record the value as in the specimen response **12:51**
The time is **4:21**
